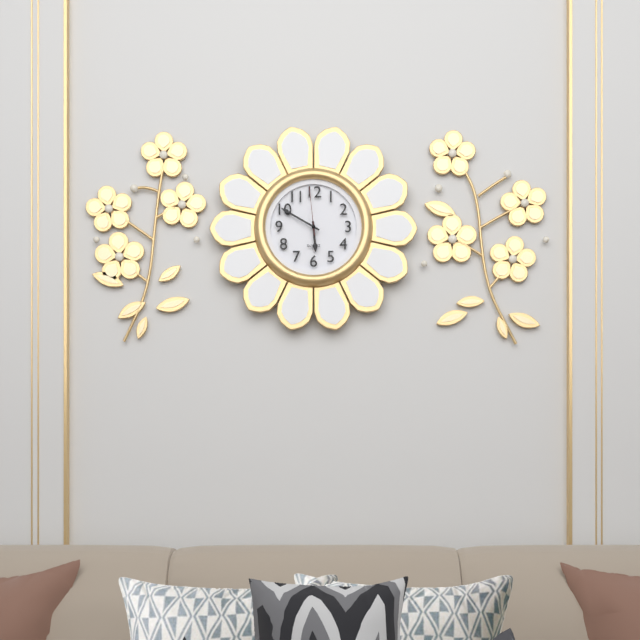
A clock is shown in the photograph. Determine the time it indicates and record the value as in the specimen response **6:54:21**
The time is **5:50:59**
